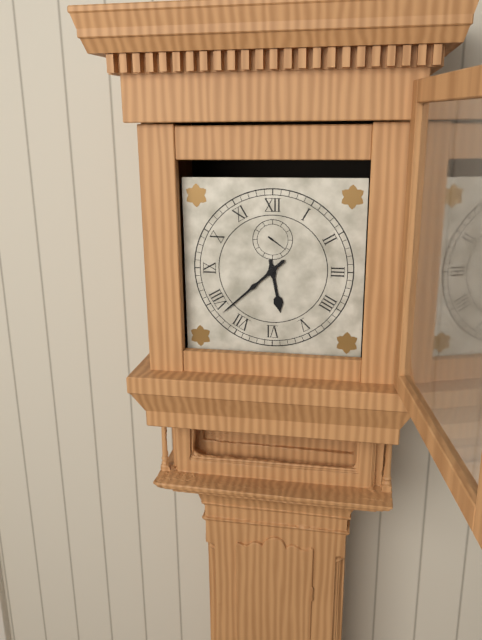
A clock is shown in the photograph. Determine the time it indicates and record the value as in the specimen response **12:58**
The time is **5:38**
